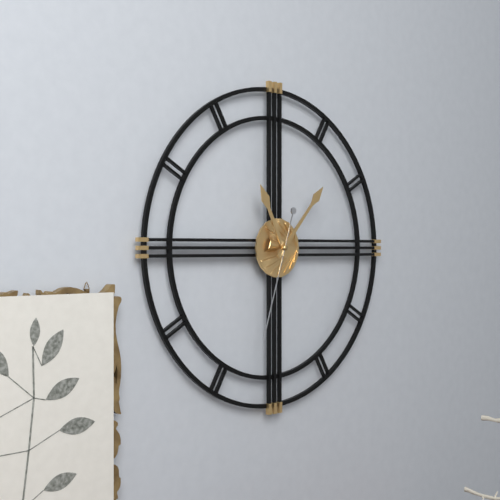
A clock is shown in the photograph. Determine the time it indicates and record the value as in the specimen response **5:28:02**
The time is **11:07:33**
